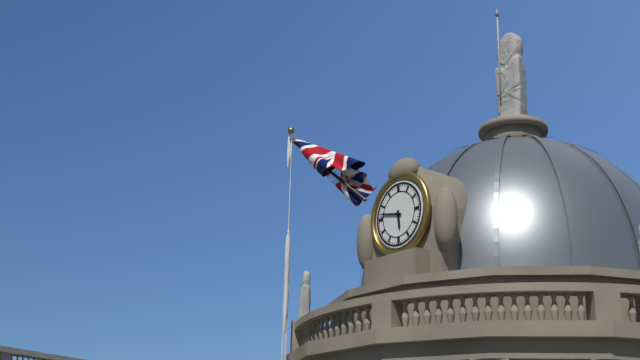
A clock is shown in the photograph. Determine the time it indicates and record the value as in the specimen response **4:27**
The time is **5:47**
